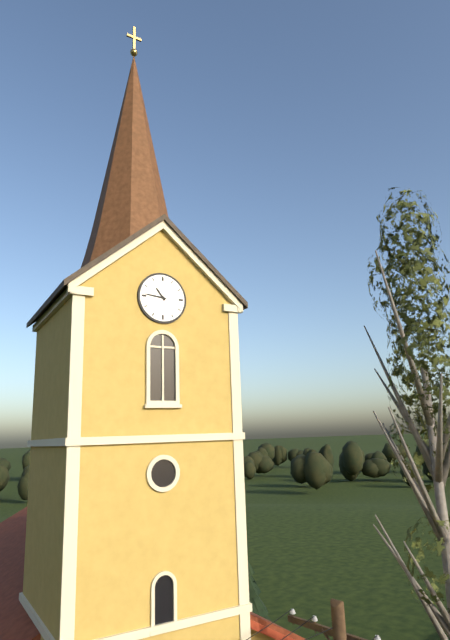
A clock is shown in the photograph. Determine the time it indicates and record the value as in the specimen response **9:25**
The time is **10:46**
